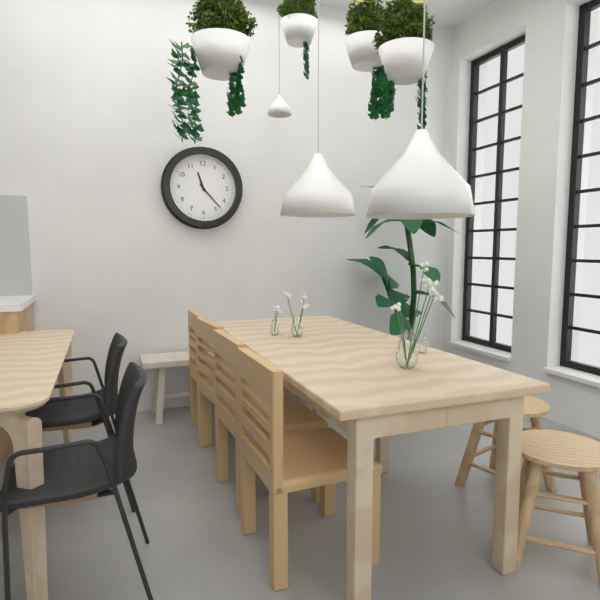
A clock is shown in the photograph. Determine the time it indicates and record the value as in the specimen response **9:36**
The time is **11:23**
